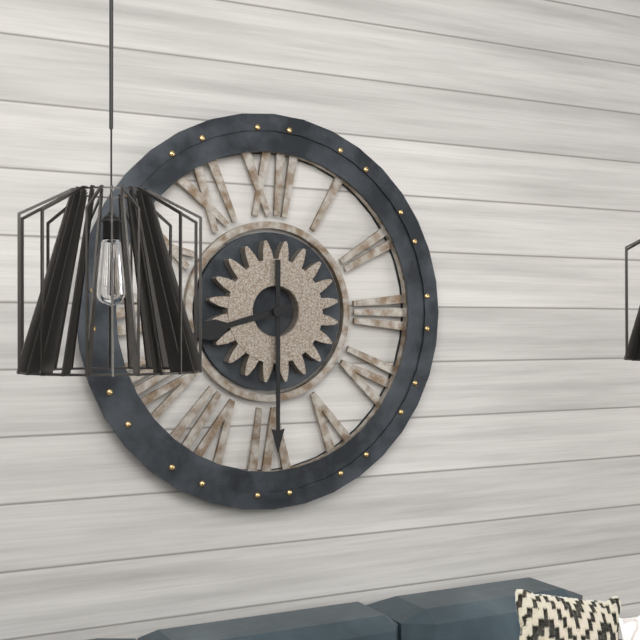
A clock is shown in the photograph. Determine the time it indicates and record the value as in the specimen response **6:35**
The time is **8:30**
